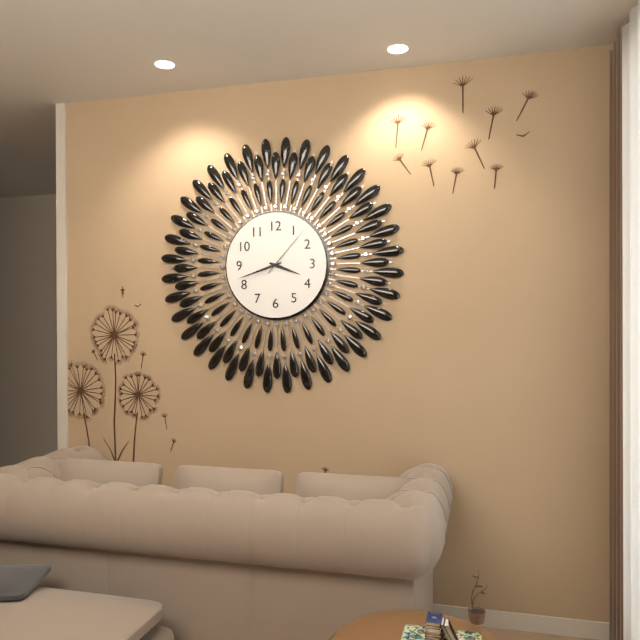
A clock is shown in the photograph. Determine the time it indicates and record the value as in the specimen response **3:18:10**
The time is **3:42:07**
